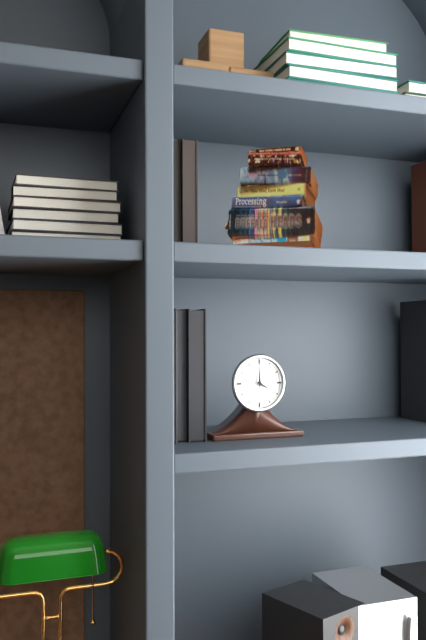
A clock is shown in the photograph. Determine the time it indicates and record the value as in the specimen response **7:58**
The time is **4:00**
